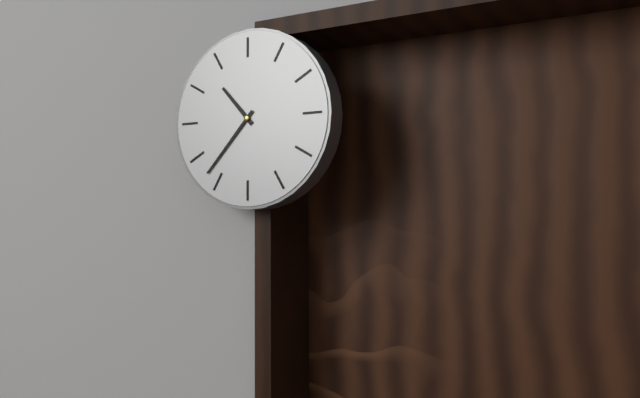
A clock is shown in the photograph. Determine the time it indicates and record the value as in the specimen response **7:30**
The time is **10:37**
